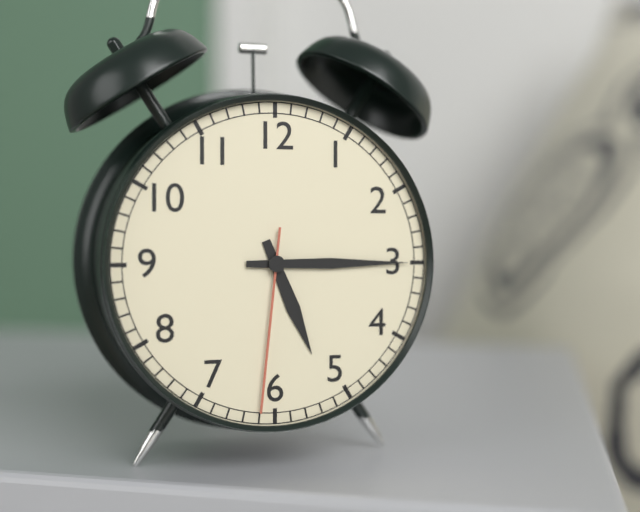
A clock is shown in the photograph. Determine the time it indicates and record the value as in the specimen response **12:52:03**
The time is **5:15:31**
